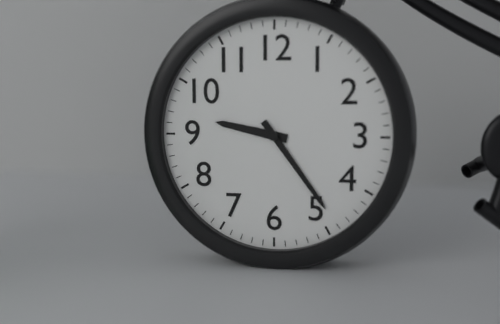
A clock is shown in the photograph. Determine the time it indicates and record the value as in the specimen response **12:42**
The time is **9:24**
